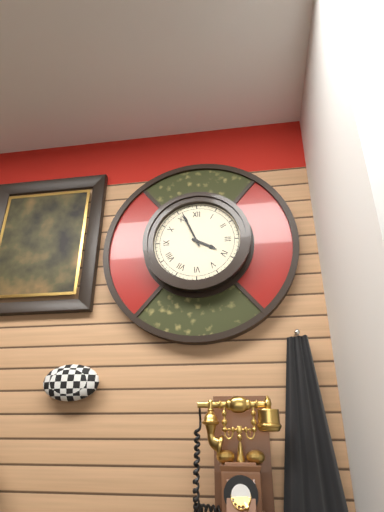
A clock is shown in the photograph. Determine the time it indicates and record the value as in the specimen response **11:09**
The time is **3:56**
